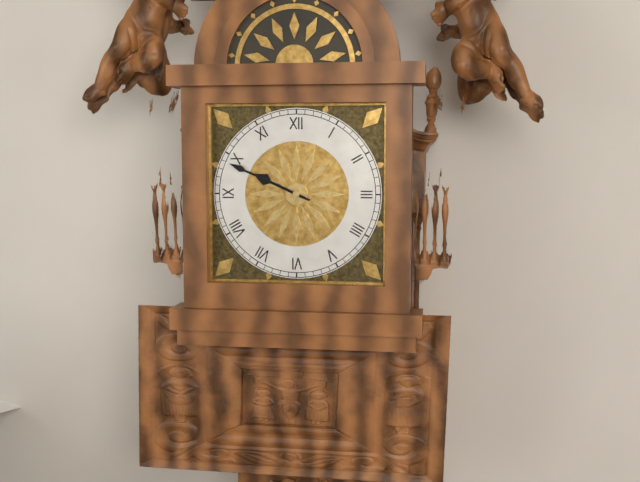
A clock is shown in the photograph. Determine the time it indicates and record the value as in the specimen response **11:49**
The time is **9:49**
